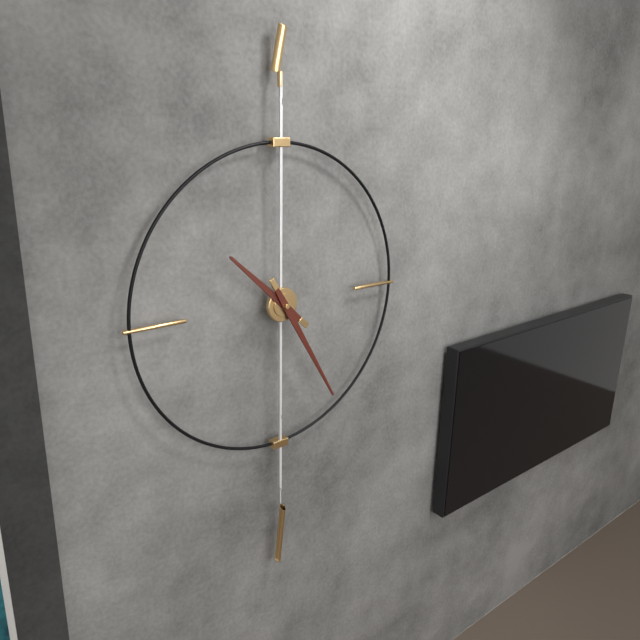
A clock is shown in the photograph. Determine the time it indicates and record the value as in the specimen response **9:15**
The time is **10:25**
